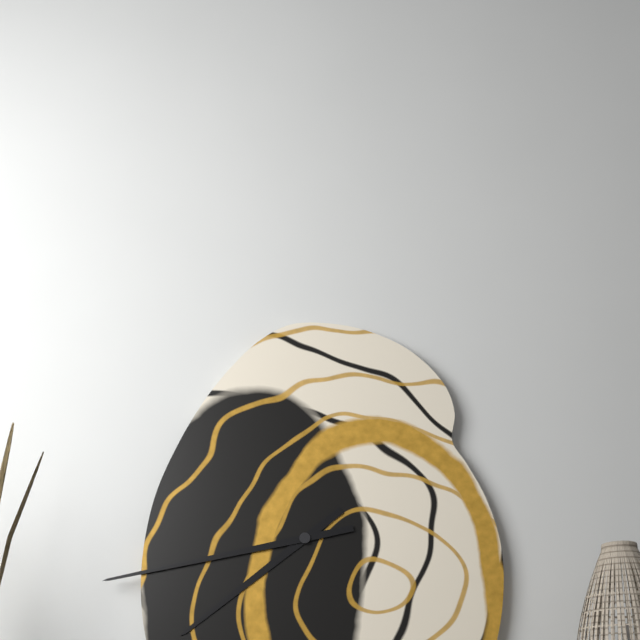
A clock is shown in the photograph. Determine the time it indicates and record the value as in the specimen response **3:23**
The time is **7:43**
